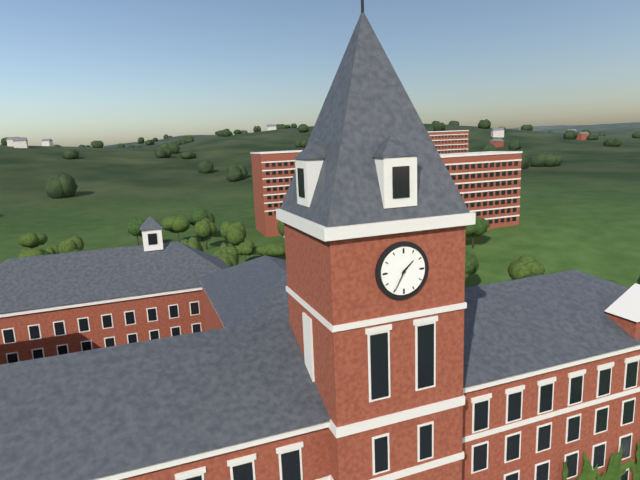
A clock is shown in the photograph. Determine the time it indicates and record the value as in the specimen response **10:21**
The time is **1:35**
